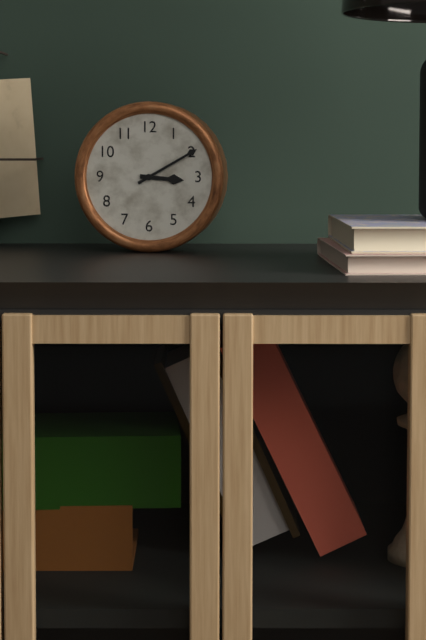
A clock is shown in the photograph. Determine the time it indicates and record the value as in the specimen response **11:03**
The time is **3:10**
